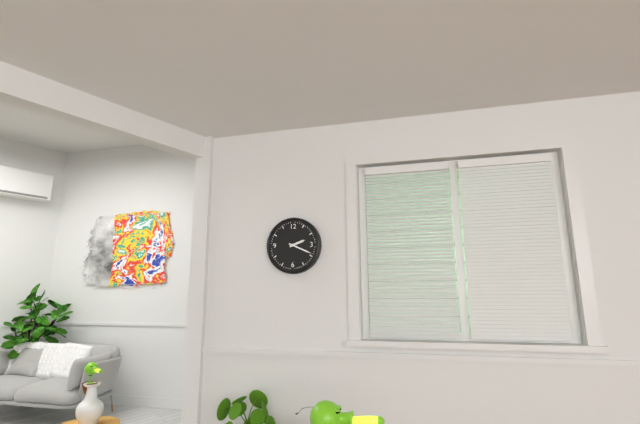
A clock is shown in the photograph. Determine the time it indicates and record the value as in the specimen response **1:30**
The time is **2:19**
